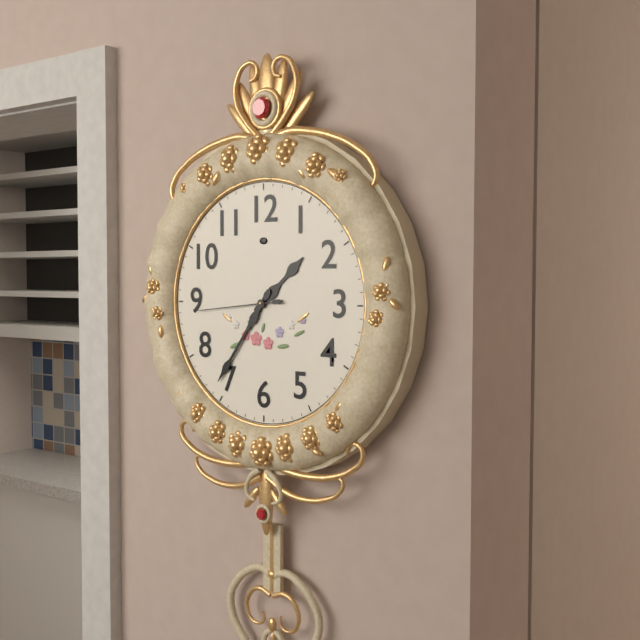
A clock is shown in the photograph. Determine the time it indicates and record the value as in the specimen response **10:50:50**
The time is **1:36:44**
